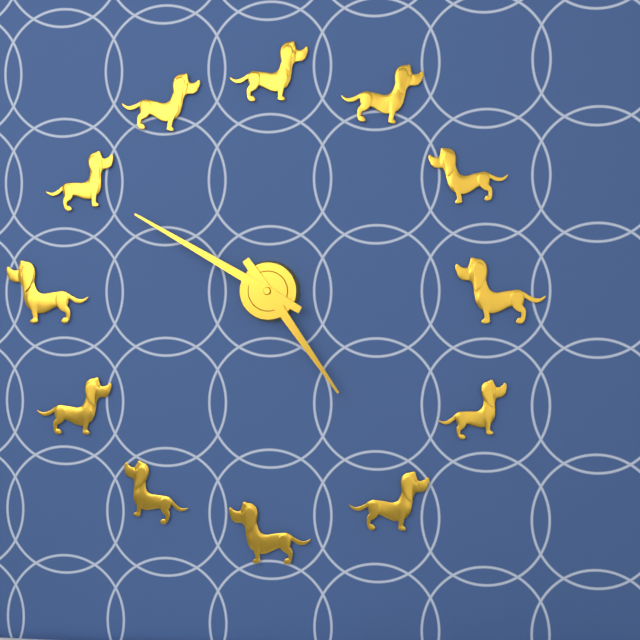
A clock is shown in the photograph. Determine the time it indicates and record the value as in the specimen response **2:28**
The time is **4:50**
